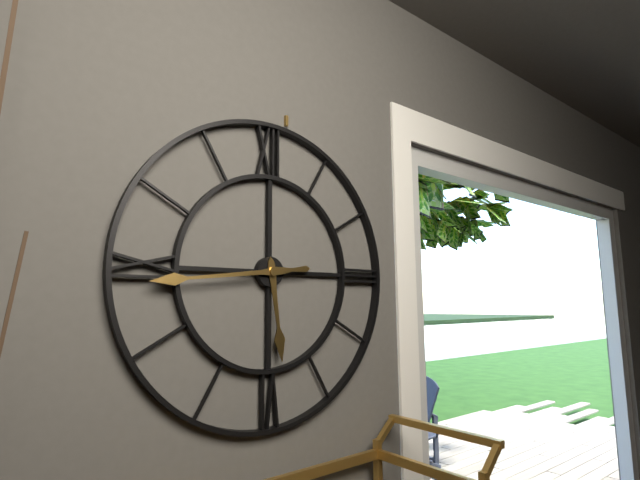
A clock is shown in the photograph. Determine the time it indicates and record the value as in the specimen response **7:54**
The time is **5:44**
